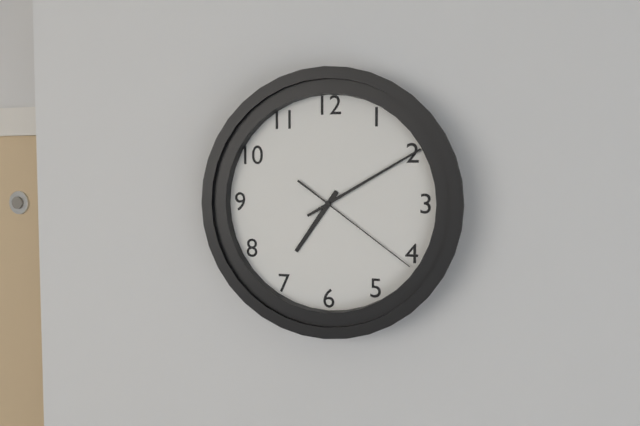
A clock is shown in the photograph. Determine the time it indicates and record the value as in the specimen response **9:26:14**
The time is **7:10:21**
